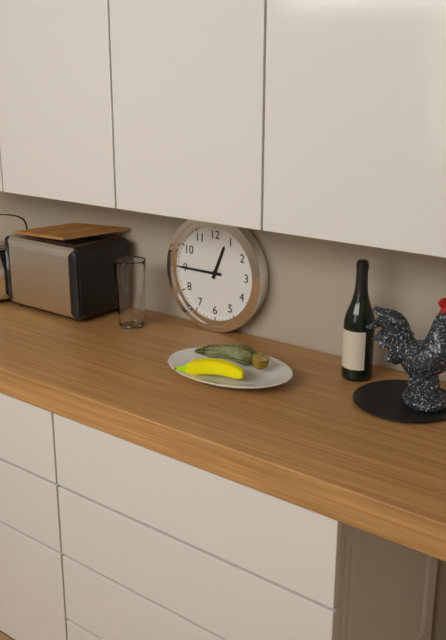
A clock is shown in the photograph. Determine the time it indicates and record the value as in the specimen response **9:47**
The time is **12:45**
